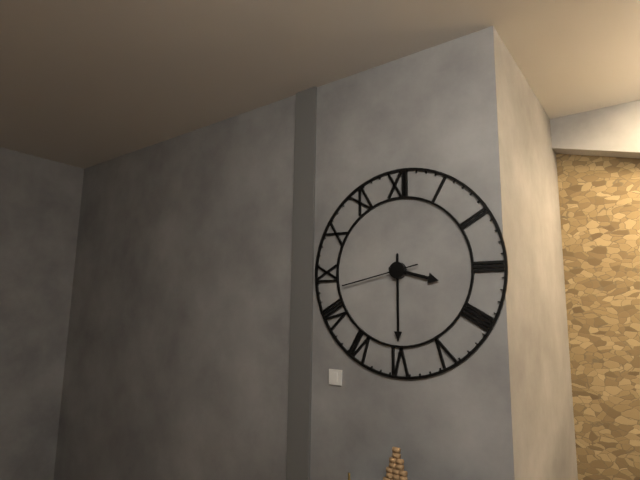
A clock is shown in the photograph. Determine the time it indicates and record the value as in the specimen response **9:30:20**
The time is **3:30:43**
